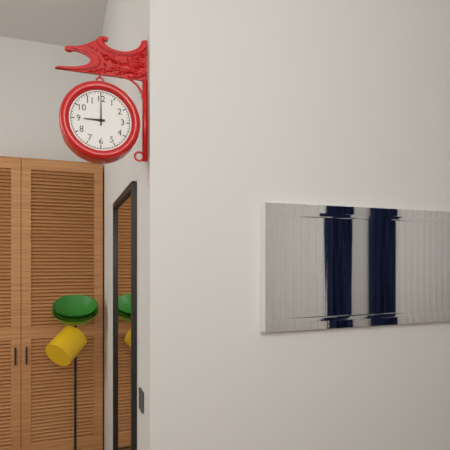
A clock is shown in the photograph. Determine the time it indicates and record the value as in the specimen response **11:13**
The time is **9:00**
